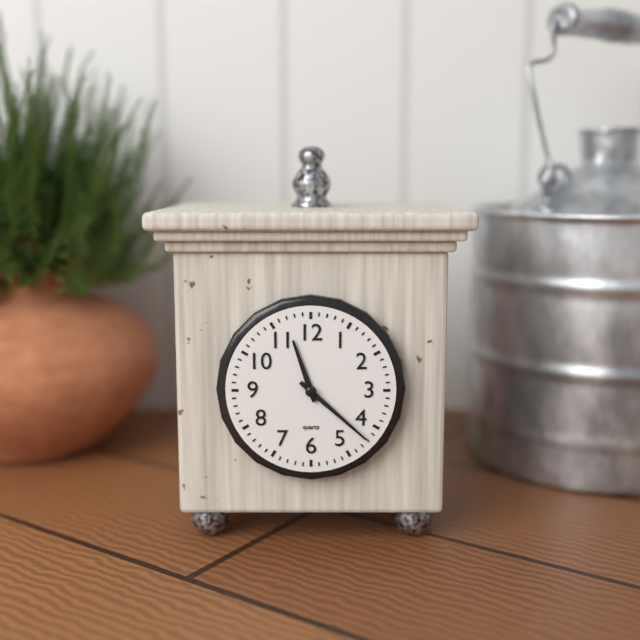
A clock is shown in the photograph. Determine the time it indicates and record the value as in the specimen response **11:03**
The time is **11:22**
